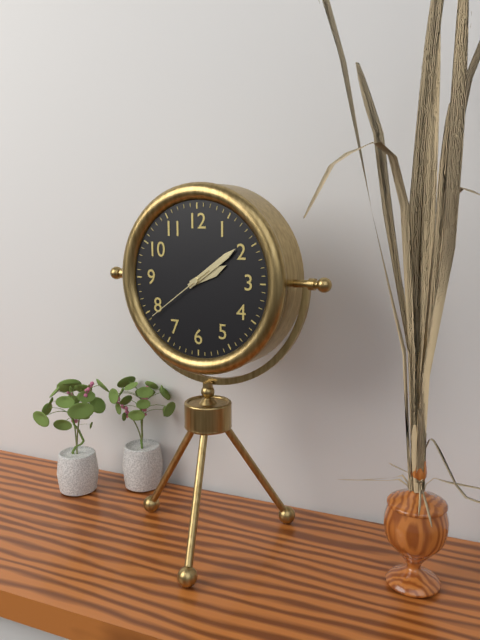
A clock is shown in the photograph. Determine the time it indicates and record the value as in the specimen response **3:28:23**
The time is **2:09:39**
